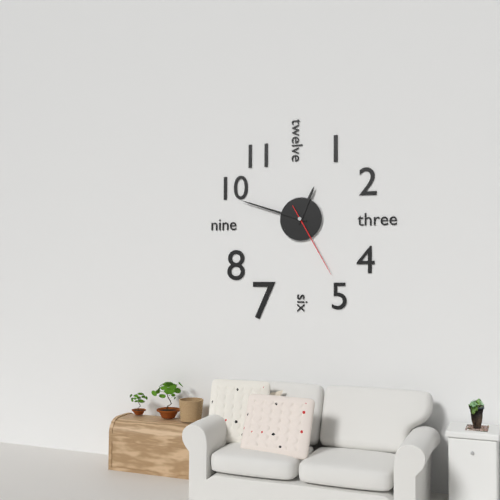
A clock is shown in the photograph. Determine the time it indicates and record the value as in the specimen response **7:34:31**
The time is **12:48:25**
